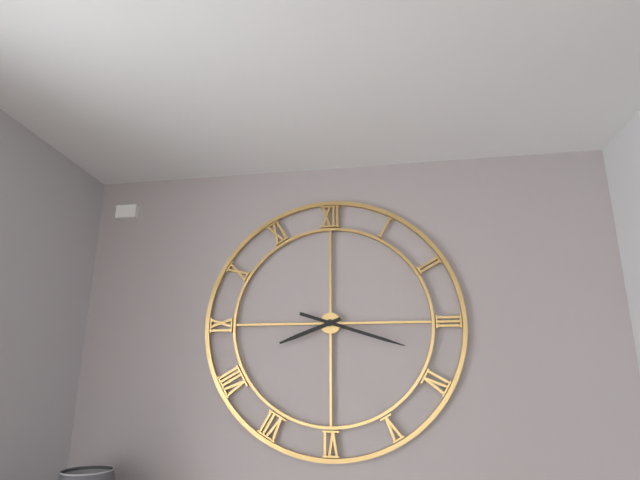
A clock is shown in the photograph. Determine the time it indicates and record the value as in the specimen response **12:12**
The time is **8:18**
